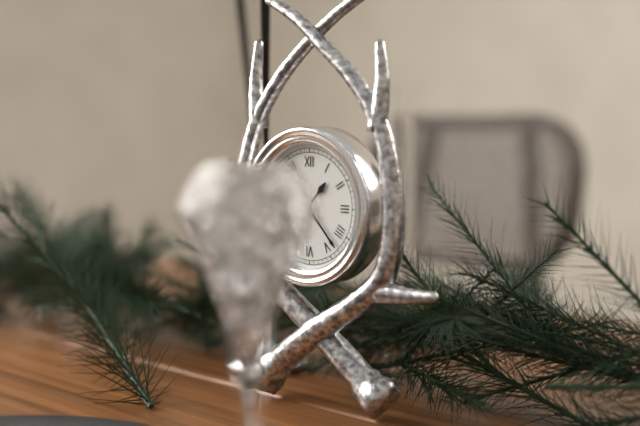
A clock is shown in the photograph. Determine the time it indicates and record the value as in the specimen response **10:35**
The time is **1:23**
